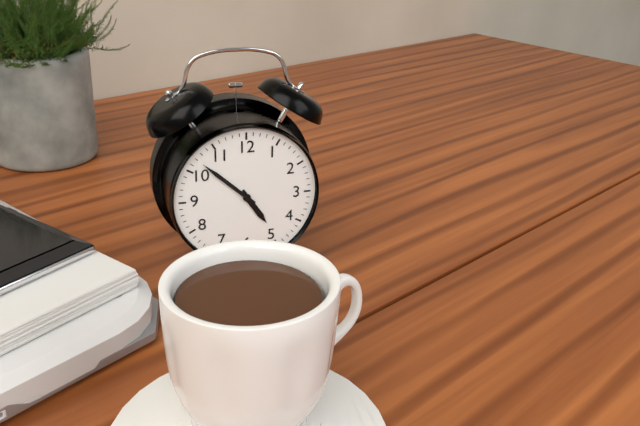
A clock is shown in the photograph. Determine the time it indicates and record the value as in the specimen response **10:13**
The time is **4:52**
